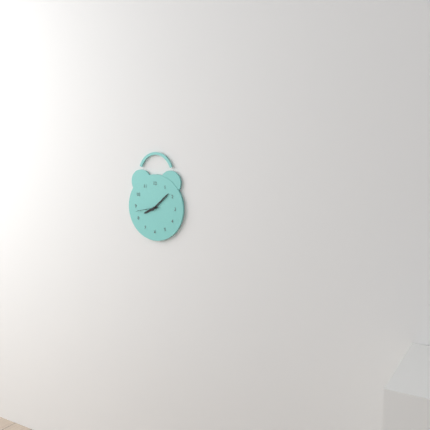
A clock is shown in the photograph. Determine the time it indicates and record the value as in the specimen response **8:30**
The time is **8:08**
